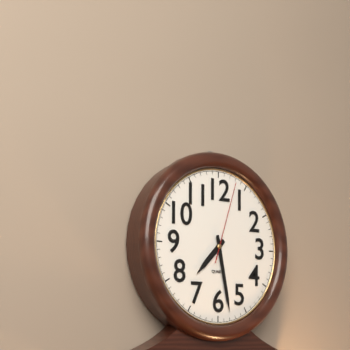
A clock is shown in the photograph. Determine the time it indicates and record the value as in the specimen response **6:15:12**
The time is **7:28:03**
